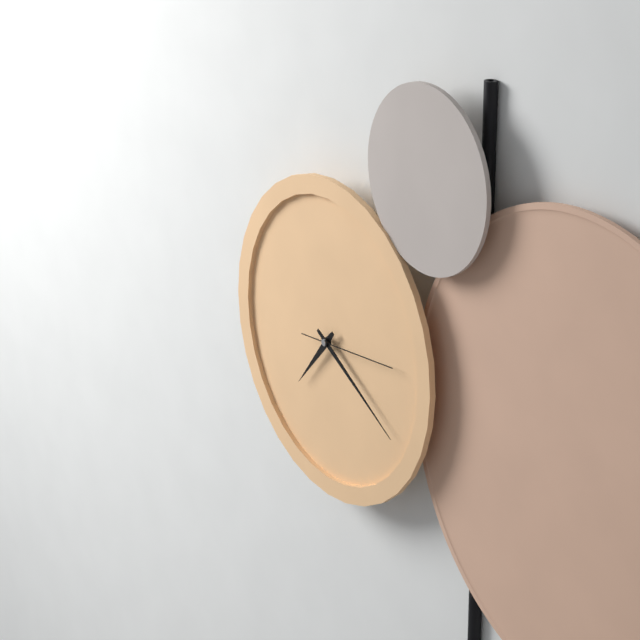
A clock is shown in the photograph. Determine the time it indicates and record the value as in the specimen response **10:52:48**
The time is **7:20:14**
